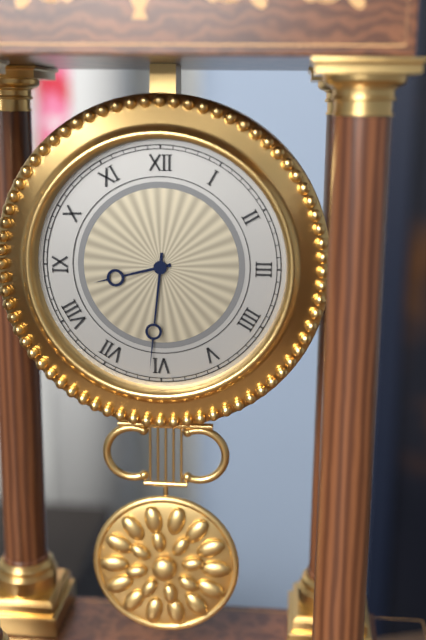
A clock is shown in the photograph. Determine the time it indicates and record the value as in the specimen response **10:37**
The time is **8:31**
